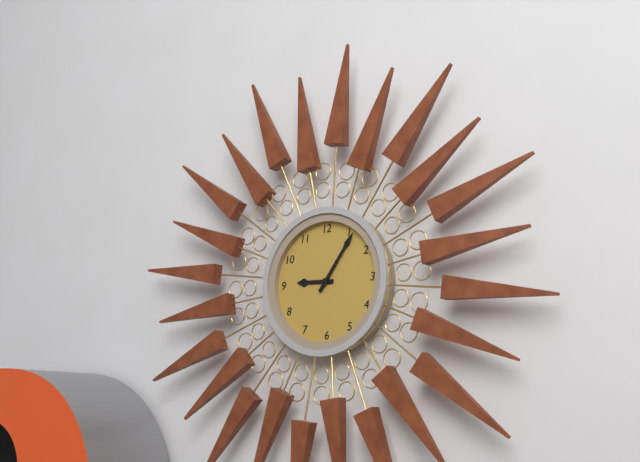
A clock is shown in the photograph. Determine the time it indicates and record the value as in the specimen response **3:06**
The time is **9:06**
